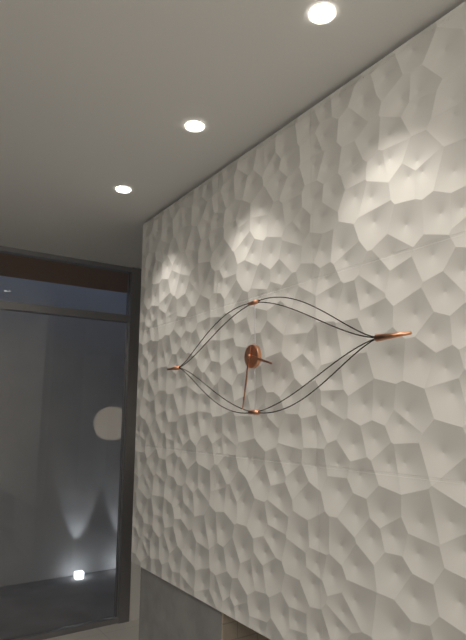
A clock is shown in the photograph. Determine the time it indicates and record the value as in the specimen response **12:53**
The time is **3:32**
